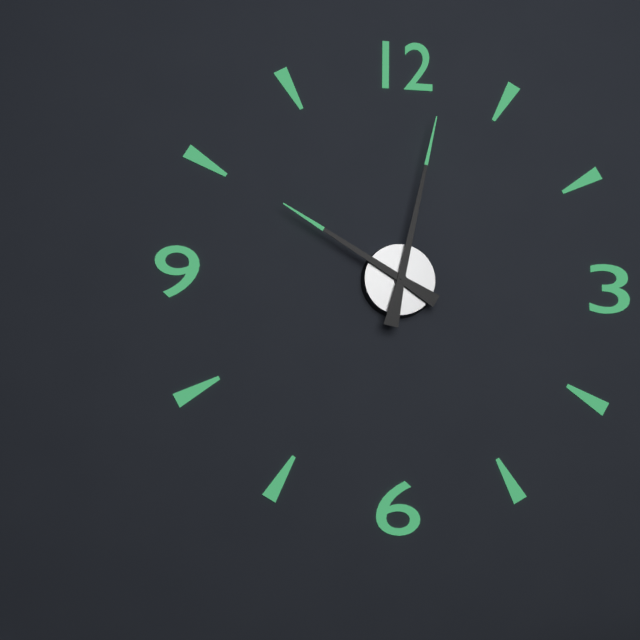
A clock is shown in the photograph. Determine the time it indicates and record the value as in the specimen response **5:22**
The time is **10:02**
